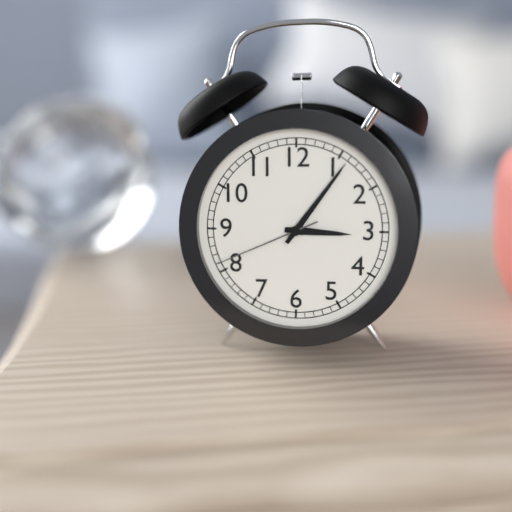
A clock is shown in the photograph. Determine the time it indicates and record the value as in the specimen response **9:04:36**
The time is **3:06:41**
